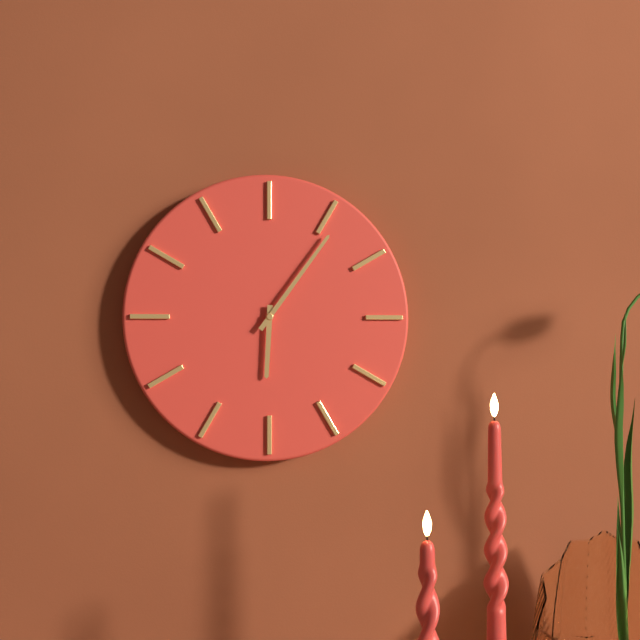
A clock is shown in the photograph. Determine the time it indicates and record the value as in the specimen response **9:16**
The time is **6:06**
